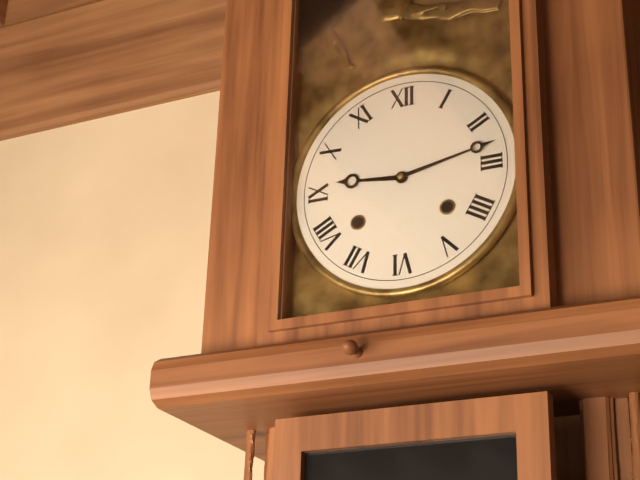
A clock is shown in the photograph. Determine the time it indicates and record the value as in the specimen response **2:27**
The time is **9:13**
